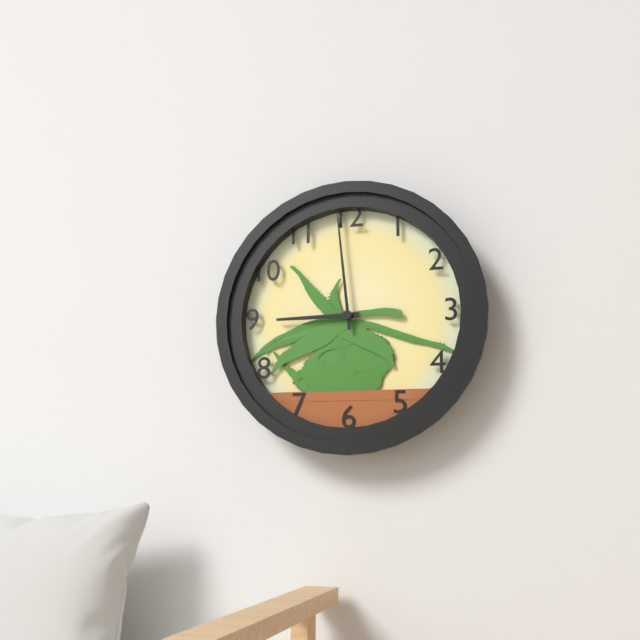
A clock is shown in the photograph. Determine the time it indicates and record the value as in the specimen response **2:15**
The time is **8:59**
